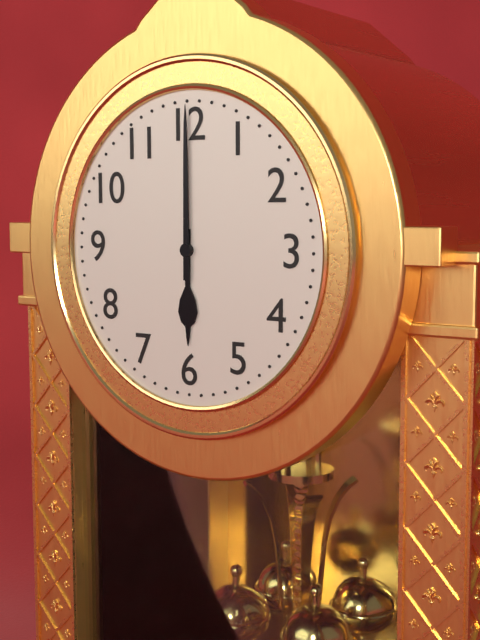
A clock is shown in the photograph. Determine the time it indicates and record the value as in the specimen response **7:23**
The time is **6:00**
